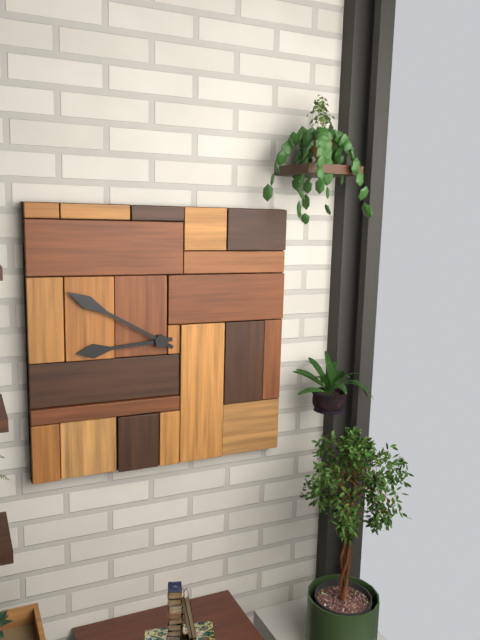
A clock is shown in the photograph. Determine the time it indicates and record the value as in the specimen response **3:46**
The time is **8:50**
